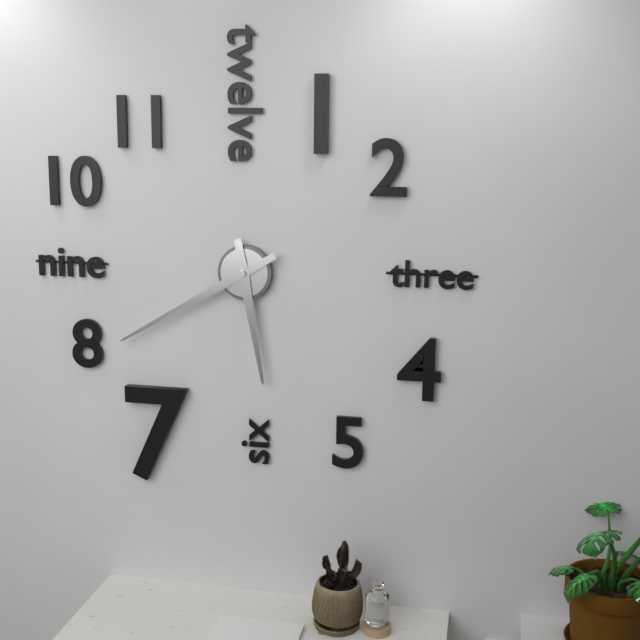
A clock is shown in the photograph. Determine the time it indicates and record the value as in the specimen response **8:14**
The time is **5:40**
